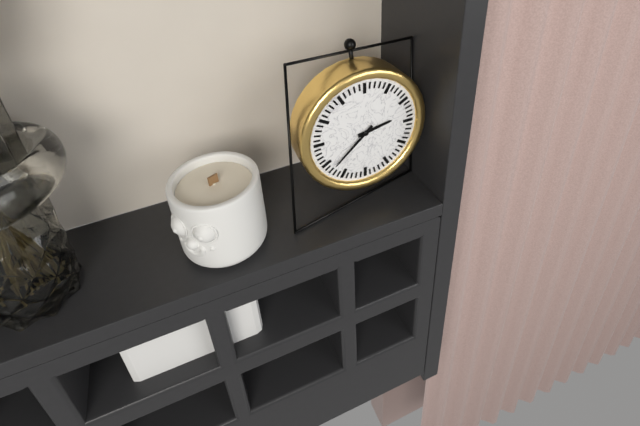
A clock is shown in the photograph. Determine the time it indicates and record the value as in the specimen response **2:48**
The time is **2:38**
